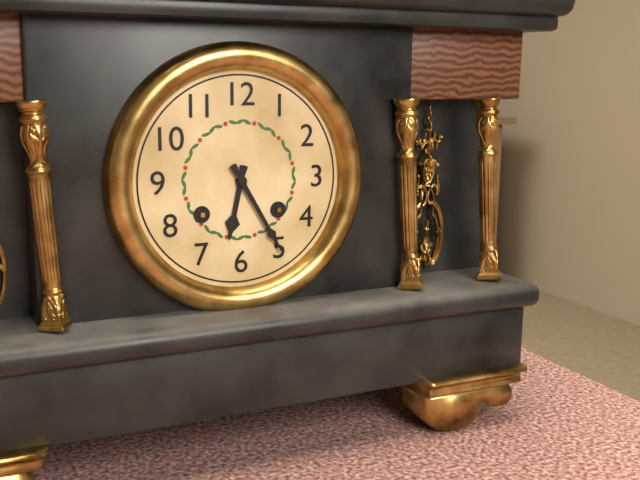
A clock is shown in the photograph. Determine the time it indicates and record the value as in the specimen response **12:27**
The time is **6:25**
